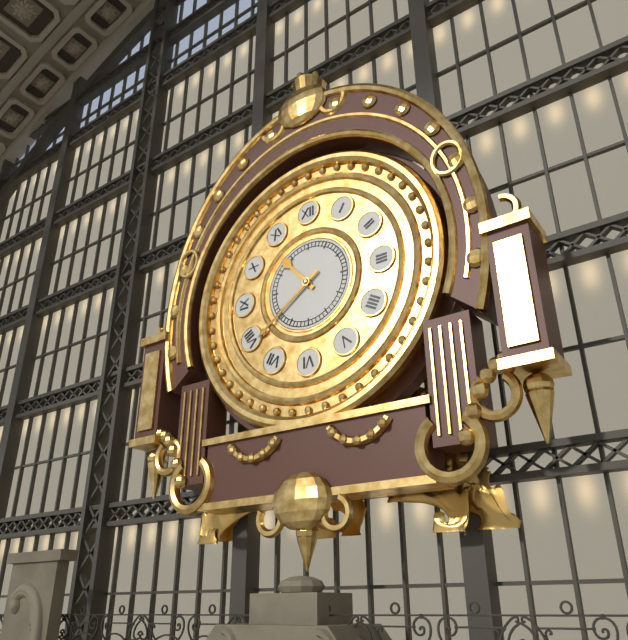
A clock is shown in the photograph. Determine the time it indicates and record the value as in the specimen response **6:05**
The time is **10:39**
